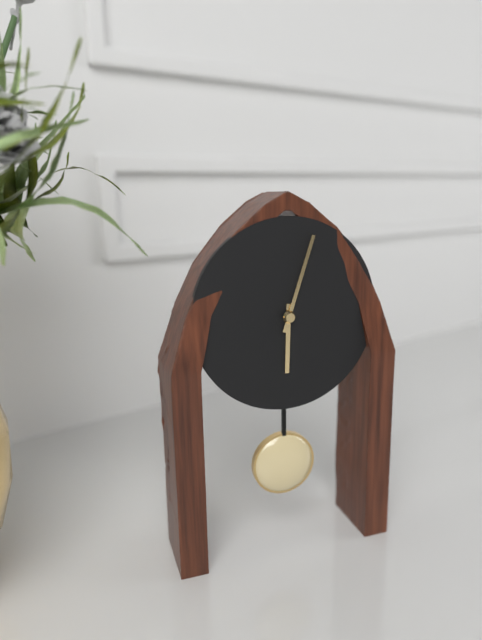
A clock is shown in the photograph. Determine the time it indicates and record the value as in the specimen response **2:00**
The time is **6:03**
